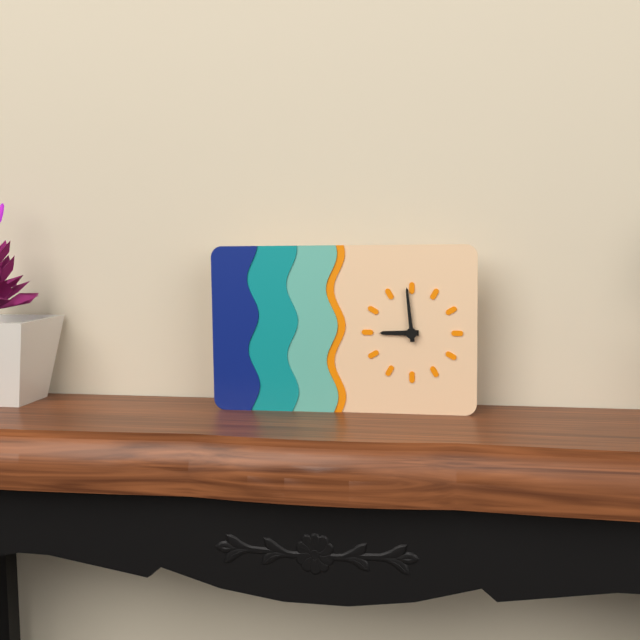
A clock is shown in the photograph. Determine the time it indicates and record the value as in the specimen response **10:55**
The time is **8:59**
